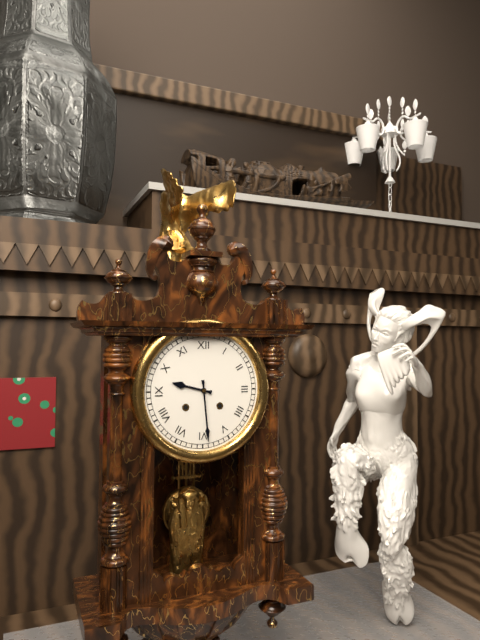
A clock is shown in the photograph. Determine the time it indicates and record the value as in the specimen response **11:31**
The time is **9:29**
